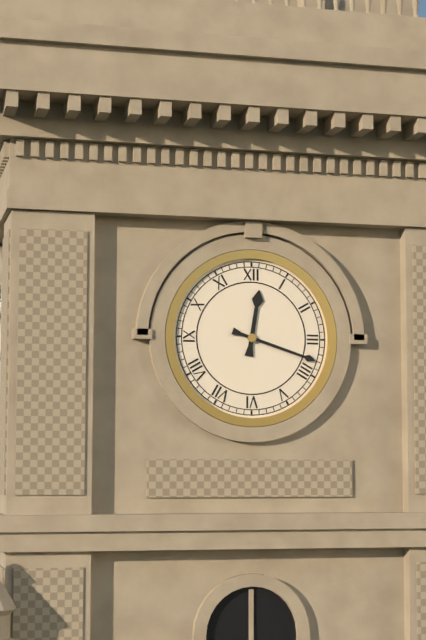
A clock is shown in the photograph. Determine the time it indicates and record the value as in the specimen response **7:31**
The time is **12:18**
